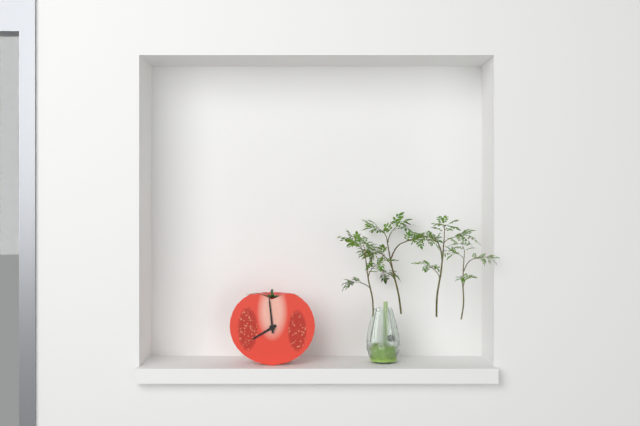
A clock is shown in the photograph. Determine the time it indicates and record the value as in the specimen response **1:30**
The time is **7:59**
